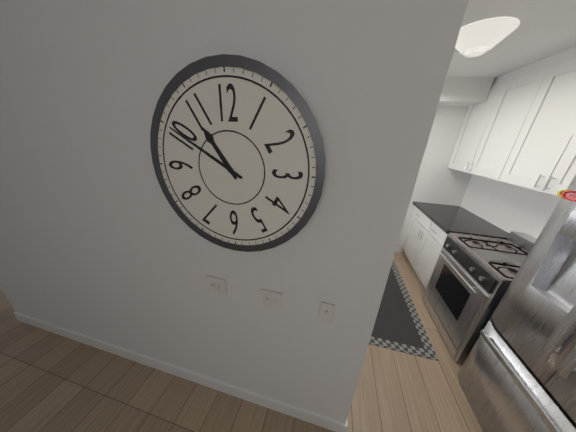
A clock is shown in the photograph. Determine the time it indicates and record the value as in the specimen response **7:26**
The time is **10:50**
